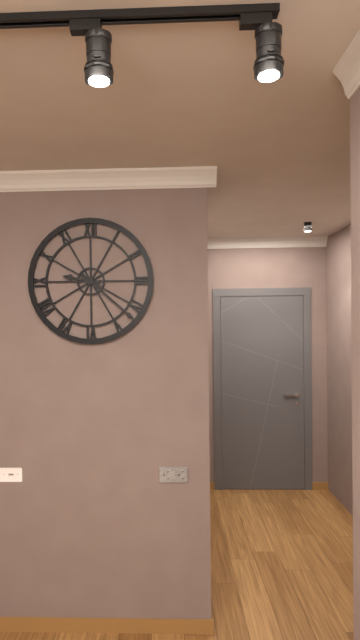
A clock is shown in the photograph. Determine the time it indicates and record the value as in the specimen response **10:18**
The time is **9:22**
